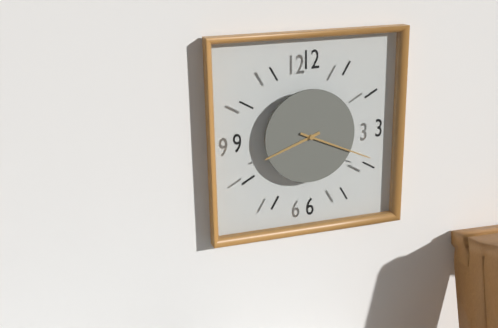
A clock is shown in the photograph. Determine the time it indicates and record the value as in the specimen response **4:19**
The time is **8:19**
